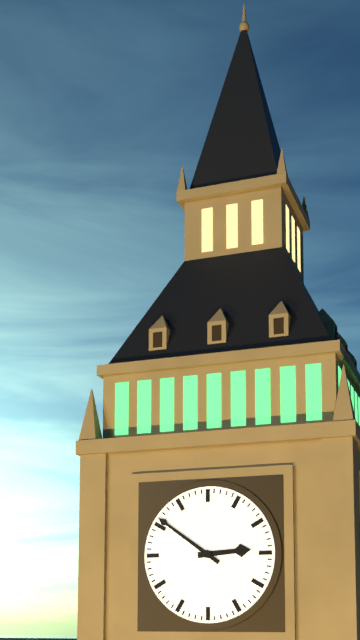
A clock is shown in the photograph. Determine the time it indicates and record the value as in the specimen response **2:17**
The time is **2:51**
